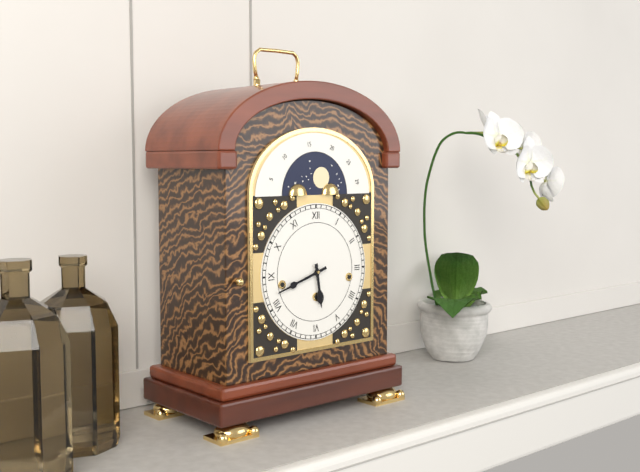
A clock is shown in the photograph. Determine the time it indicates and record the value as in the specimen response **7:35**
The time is **5:42**
